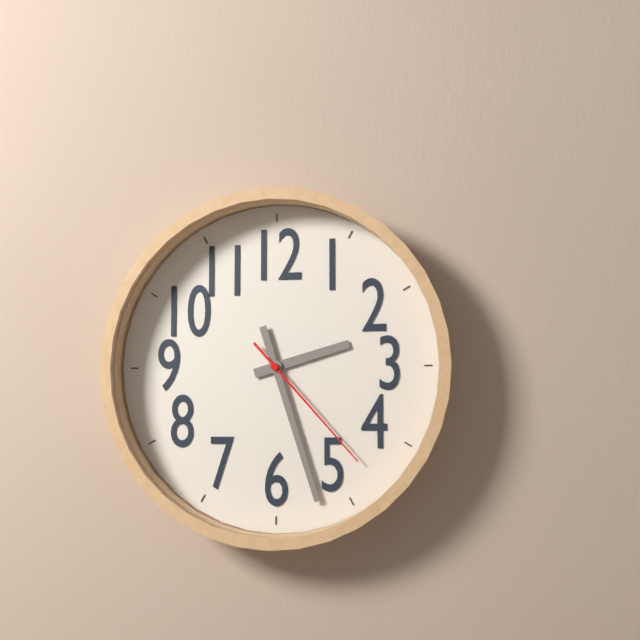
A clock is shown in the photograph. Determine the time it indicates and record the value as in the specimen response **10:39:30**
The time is **2:27:23**
